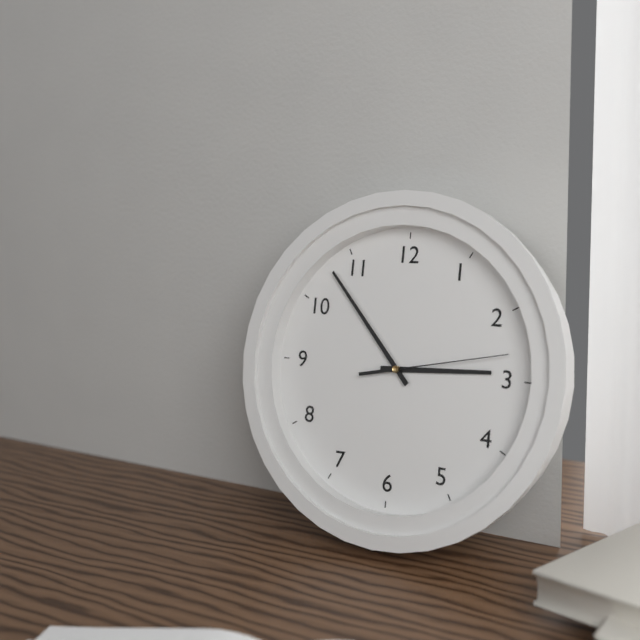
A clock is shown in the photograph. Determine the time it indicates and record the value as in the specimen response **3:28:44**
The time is **2:53:13**
